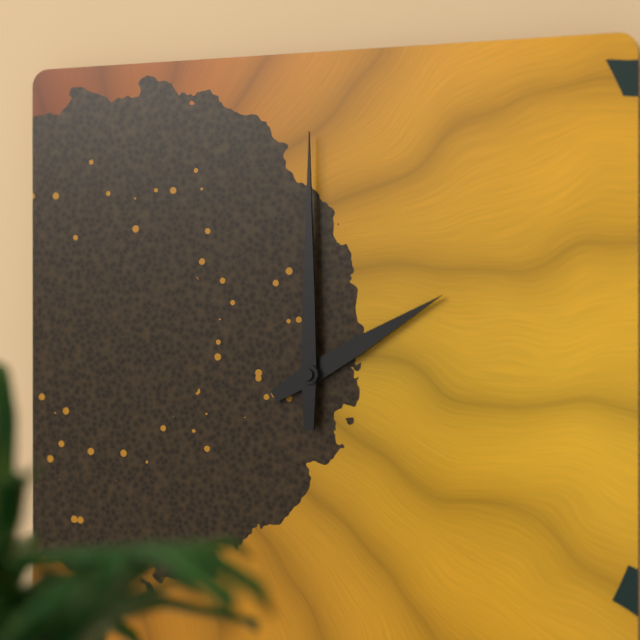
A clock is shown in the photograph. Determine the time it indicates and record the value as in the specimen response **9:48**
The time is **2:00**
